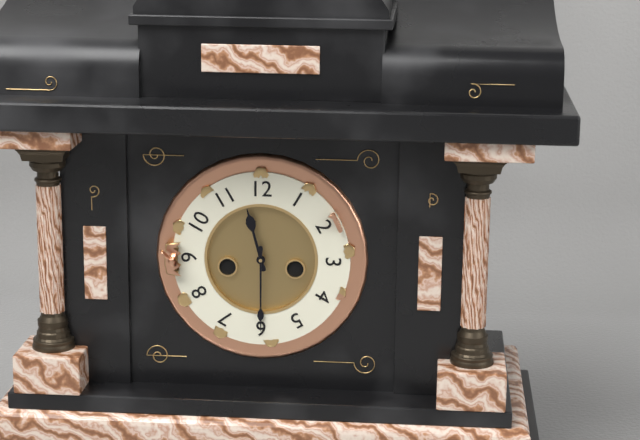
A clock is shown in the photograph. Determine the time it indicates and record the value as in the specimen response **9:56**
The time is **11:30**
